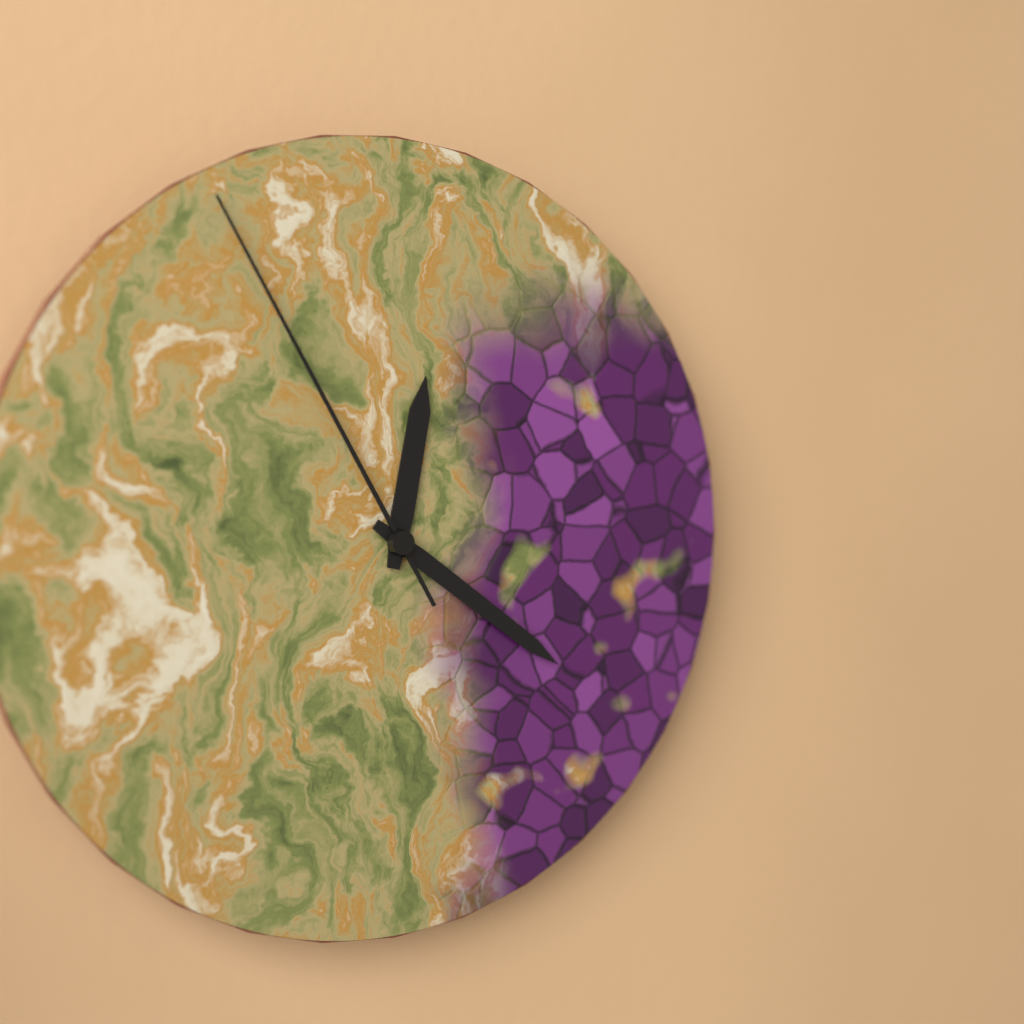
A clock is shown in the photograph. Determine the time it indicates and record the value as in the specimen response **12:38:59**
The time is **12:21:55**
